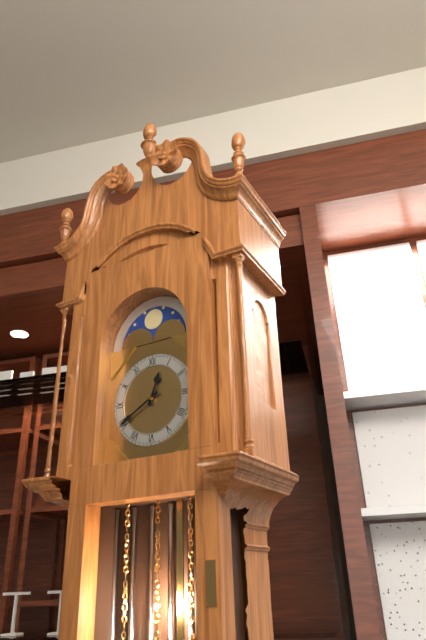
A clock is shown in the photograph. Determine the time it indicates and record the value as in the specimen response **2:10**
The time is **12:40**
